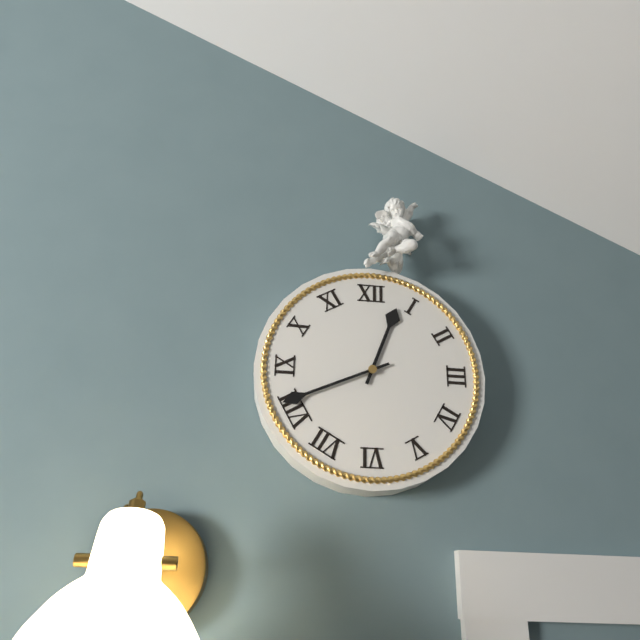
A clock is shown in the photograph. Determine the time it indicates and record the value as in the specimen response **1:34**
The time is **12:41**
